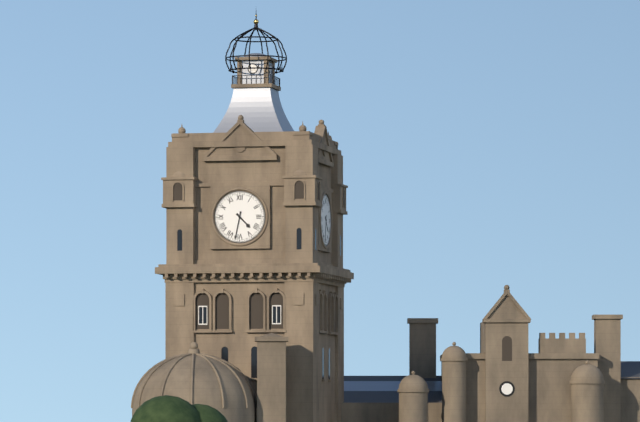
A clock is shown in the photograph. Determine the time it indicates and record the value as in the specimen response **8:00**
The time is **4:32**
